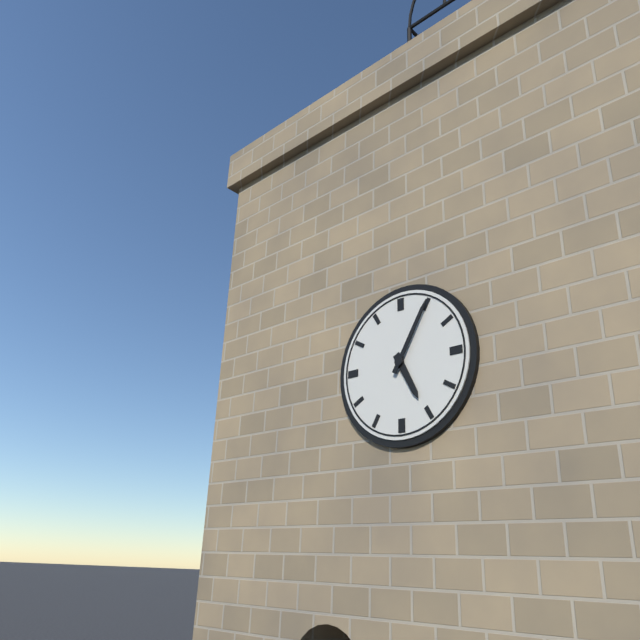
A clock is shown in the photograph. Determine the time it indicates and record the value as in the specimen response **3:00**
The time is **5:05**
